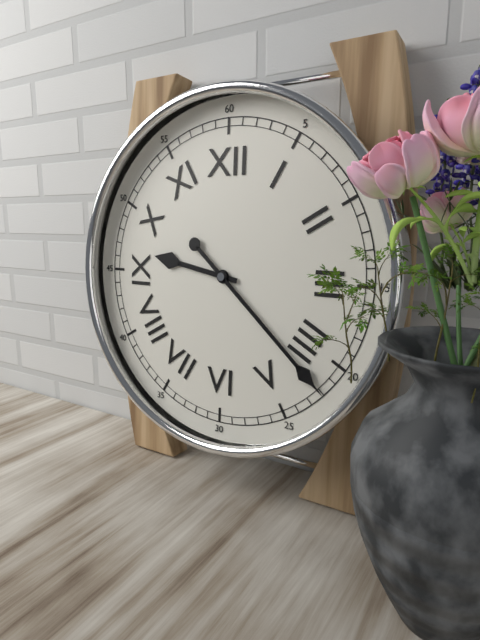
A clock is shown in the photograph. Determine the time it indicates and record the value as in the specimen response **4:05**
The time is **9:22**
